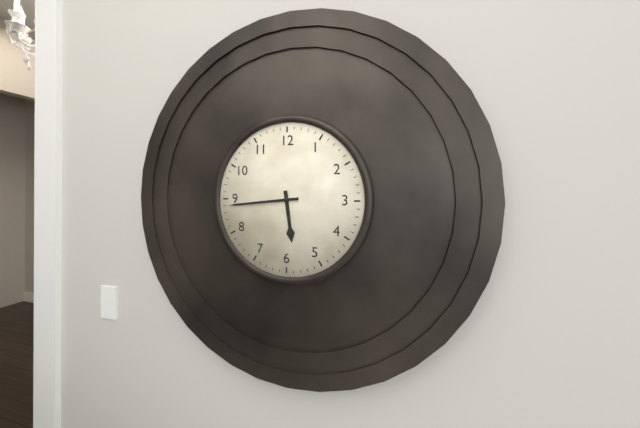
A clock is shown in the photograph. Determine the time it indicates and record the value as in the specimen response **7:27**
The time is **5:44**
